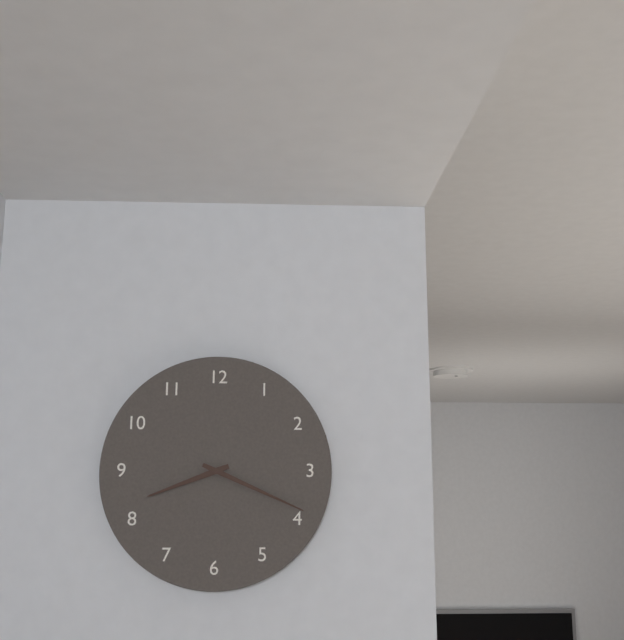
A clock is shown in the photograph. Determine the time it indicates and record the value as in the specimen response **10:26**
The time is **8:19**
